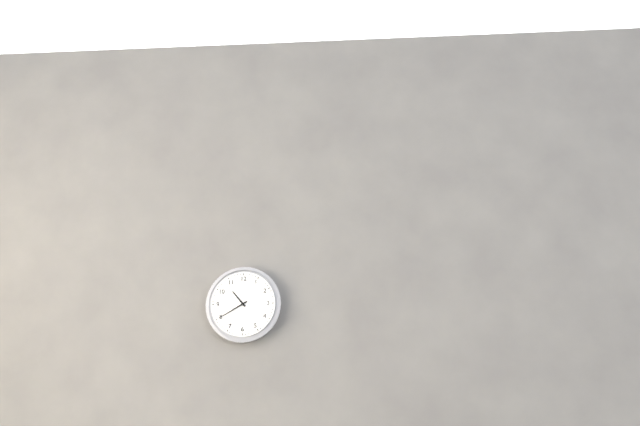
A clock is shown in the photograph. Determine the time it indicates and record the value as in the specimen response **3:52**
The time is **10:40**
